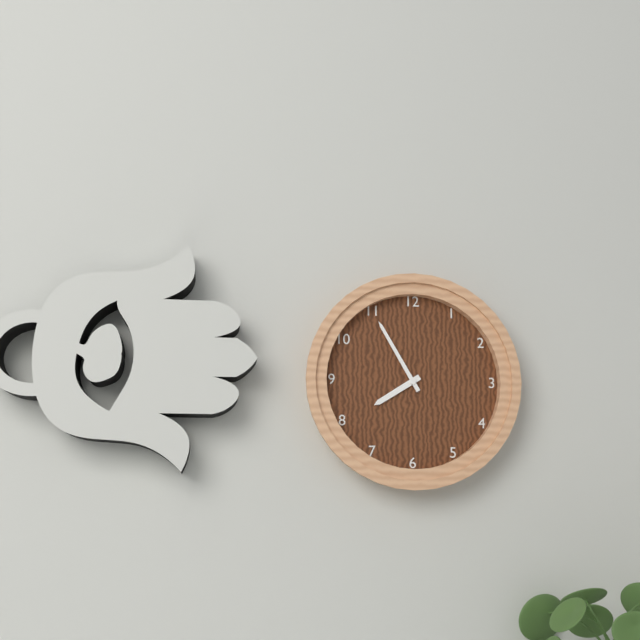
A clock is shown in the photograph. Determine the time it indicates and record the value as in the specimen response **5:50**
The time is **7:55**
